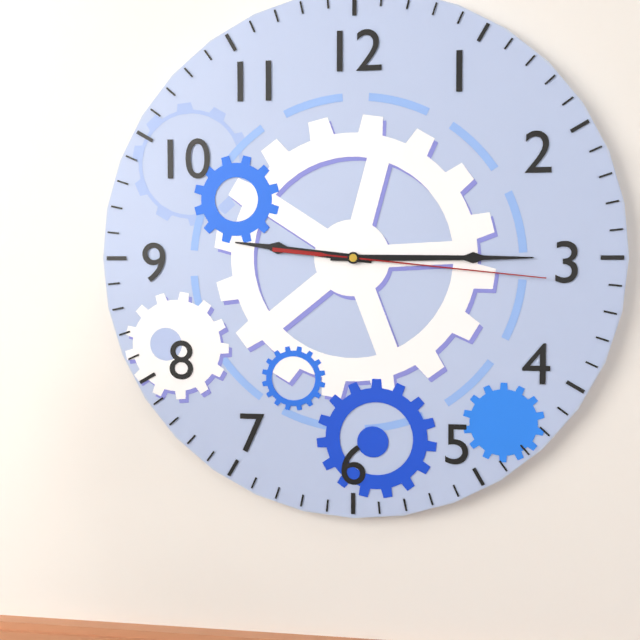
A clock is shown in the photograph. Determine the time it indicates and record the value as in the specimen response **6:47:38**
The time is **9:15:16**
